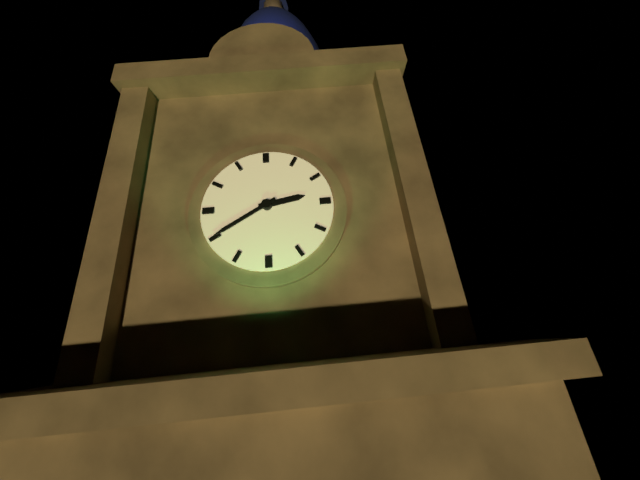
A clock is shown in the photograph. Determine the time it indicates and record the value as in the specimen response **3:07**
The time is **2:40**
